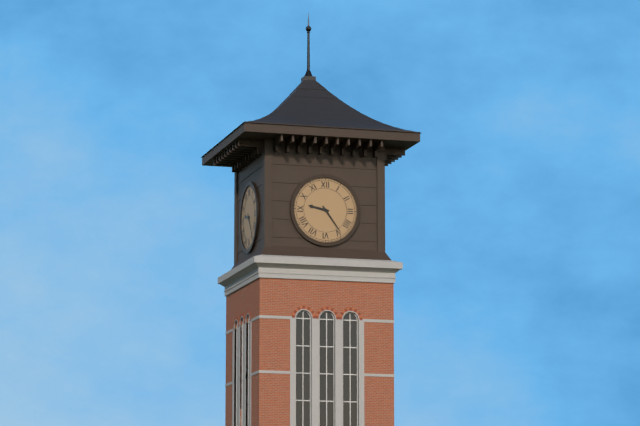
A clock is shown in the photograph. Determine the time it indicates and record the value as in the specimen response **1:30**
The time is **9:24**
